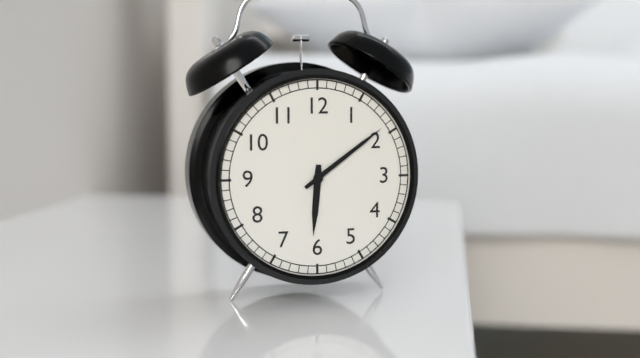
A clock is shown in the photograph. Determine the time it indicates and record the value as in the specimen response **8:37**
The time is **6:09**
